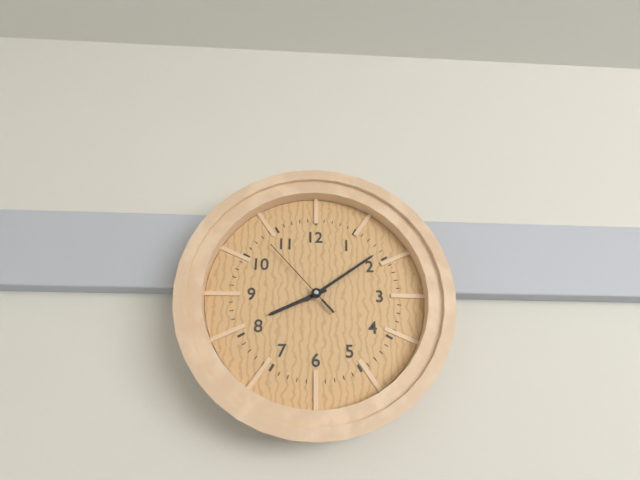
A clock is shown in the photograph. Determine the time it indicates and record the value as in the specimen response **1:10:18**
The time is **8:09:53**
